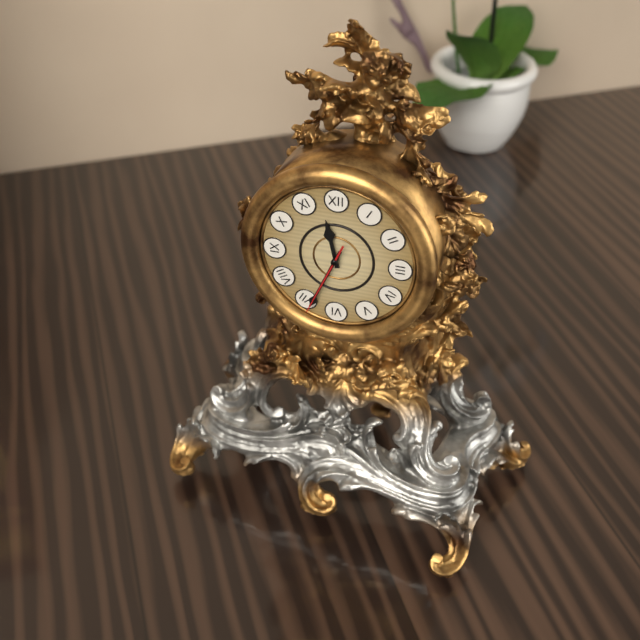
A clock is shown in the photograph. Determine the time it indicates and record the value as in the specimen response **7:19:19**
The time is **11:34:34**
